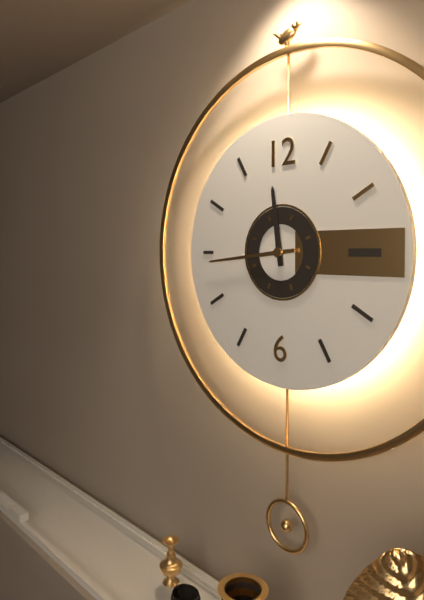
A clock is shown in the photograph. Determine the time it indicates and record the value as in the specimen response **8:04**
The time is **11:44**
